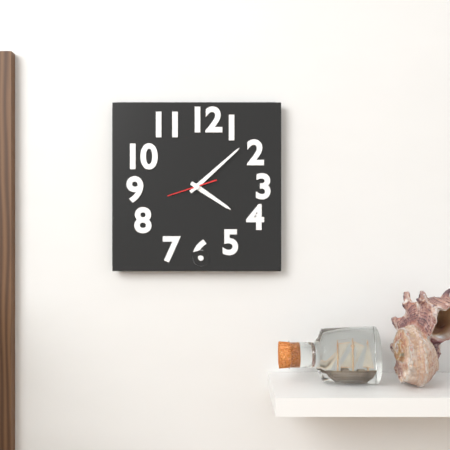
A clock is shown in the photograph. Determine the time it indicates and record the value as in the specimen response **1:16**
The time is **4:08**
